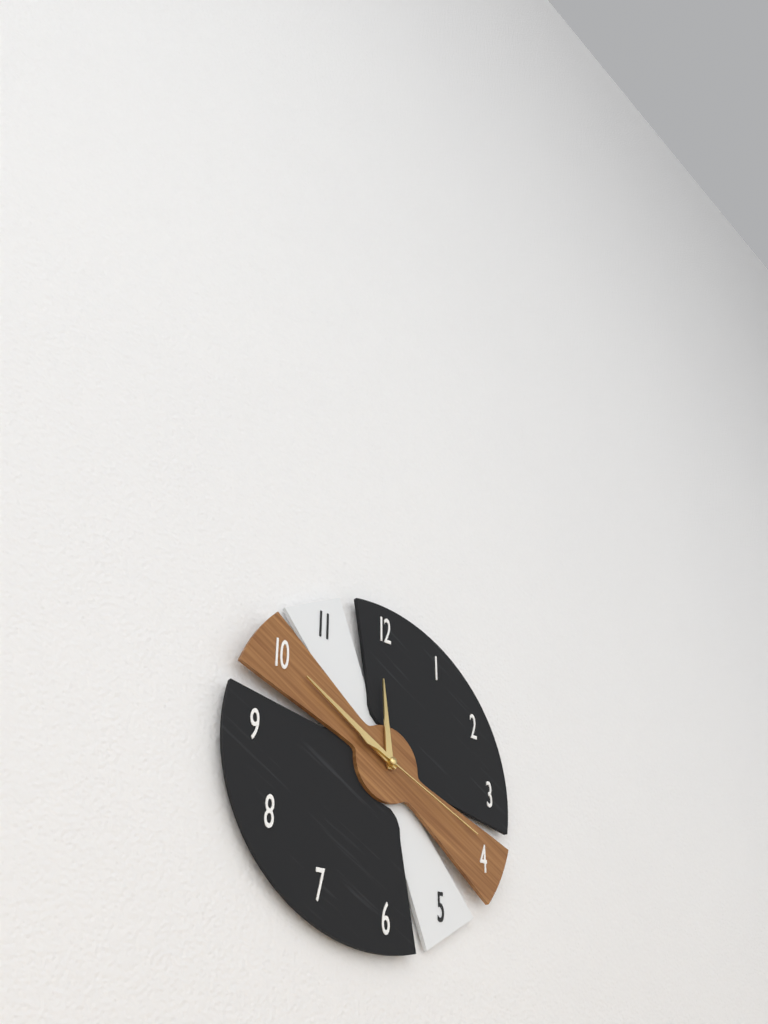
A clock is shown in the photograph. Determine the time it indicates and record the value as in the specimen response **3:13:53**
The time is **11:50:19**
